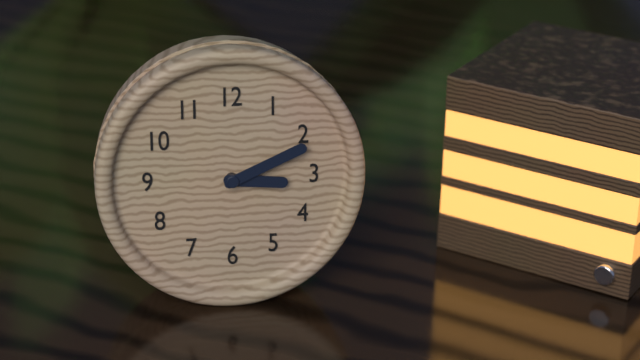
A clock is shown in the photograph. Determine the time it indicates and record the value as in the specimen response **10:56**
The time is **3:11**
